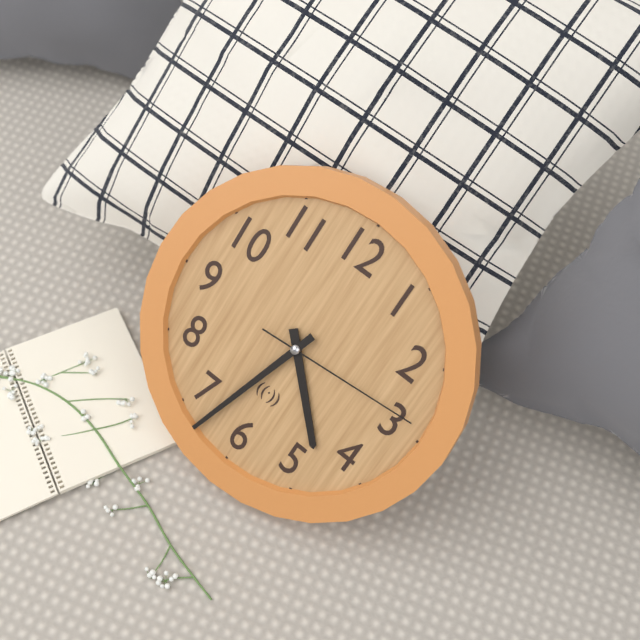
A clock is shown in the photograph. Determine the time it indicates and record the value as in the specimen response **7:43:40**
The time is **4:33:14**
